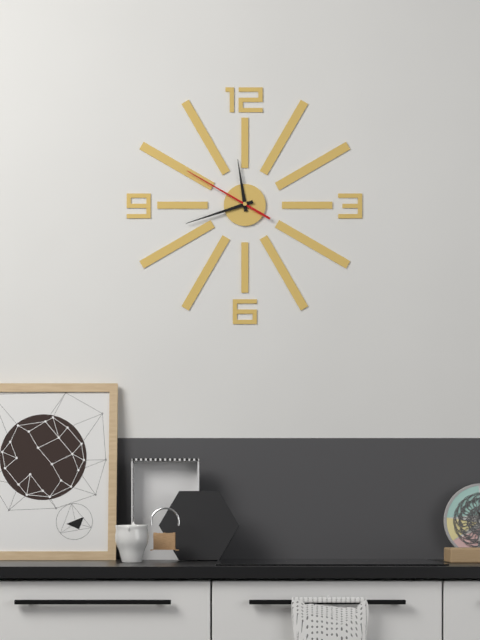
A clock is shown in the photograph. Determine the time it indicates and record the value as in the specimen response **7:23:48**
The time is **11:42:50**
